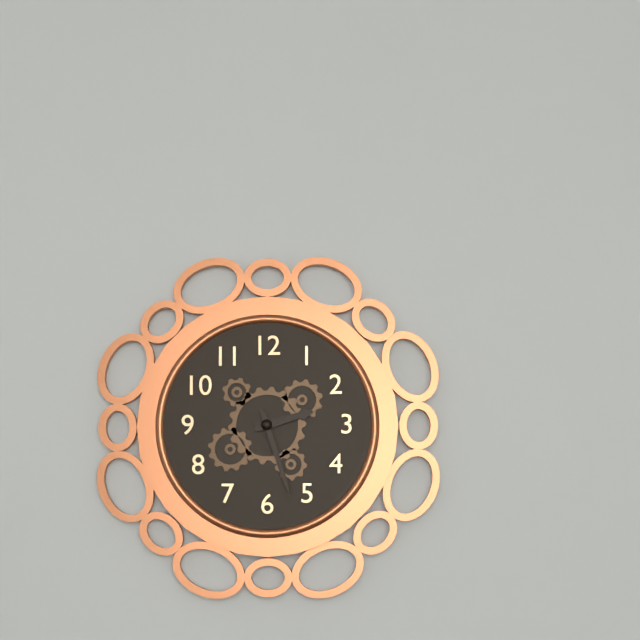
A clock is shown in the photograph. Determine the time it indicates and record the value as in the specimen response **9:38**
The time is **2:27**
